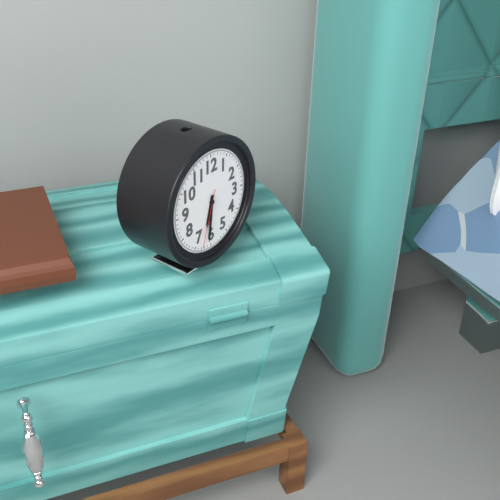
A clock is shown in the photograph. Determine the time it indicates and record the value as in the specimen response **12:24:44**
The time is **6:31:33**
